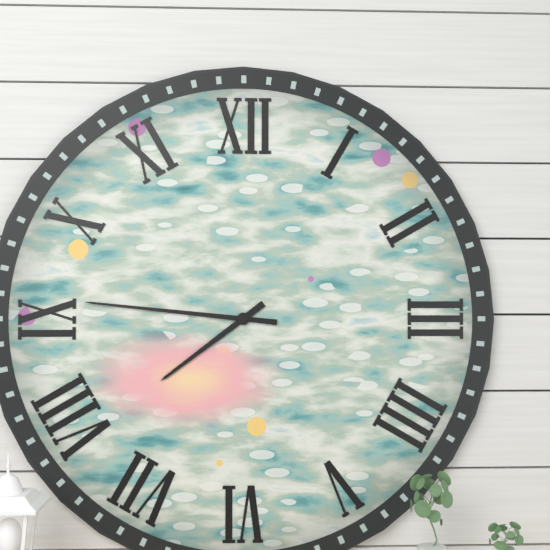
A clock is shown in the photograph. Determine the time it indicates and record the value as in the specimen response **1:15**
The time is **7:46**
